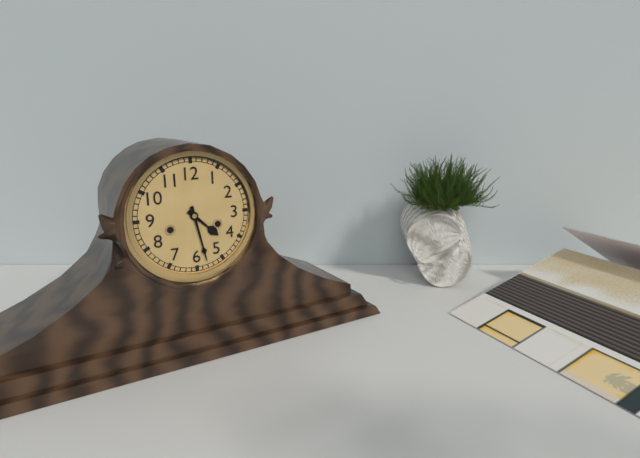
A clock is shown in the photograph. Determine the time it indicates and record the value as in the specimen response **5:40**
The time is **4:28**
